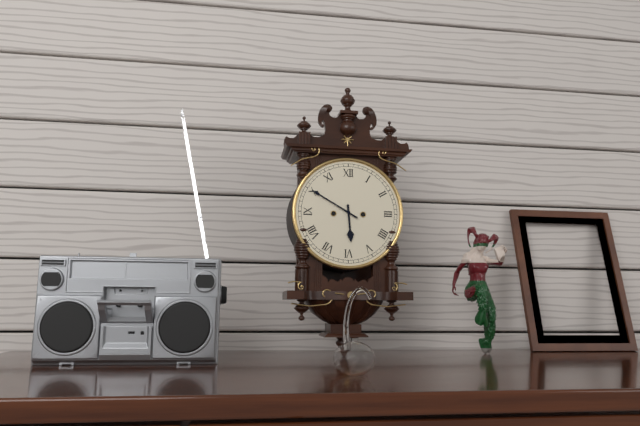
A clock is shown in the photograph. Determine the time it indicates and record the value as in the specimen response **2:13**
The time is **5:50**
